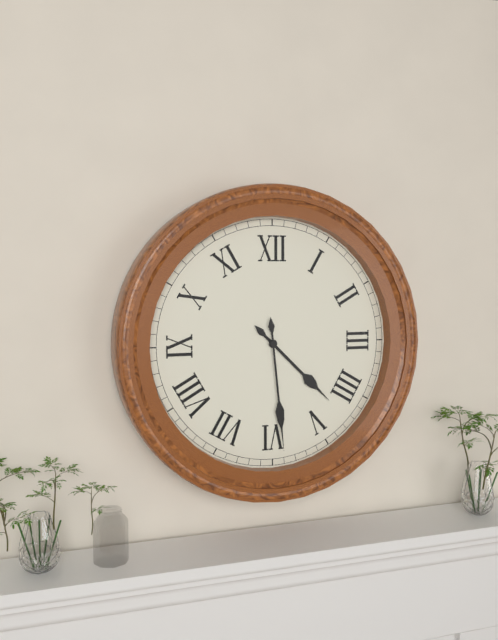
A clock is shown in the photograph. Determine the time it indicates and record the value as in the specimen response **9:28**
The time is **4:29**
